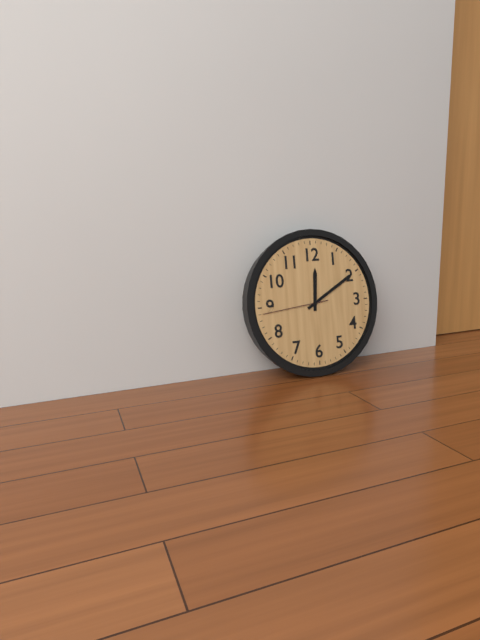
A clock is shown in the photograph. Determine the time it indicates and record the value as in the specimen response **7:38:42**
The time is **12:10:44**
